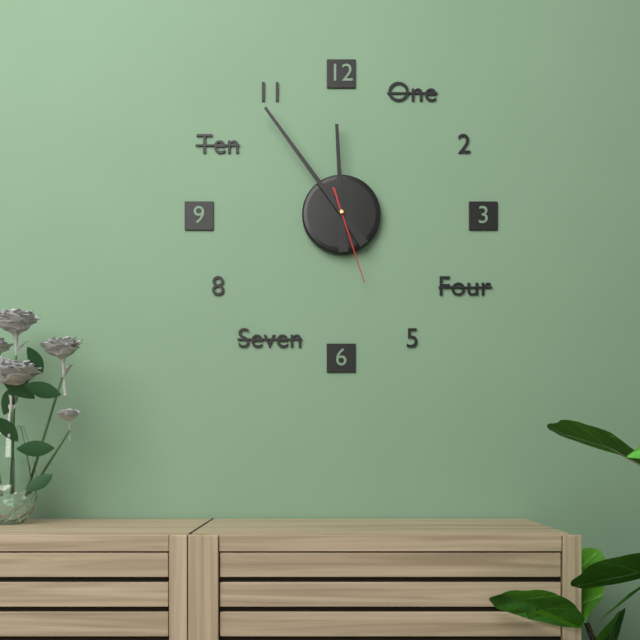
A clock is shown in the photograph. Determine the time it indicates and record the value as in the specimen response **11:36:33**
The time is **11:54:27**
